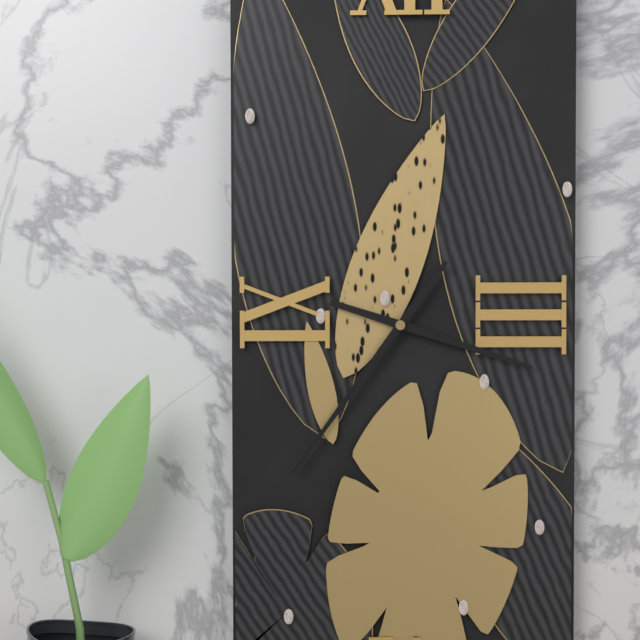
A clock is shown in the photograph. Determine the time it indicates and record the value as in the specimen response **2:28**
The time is **3:36**
